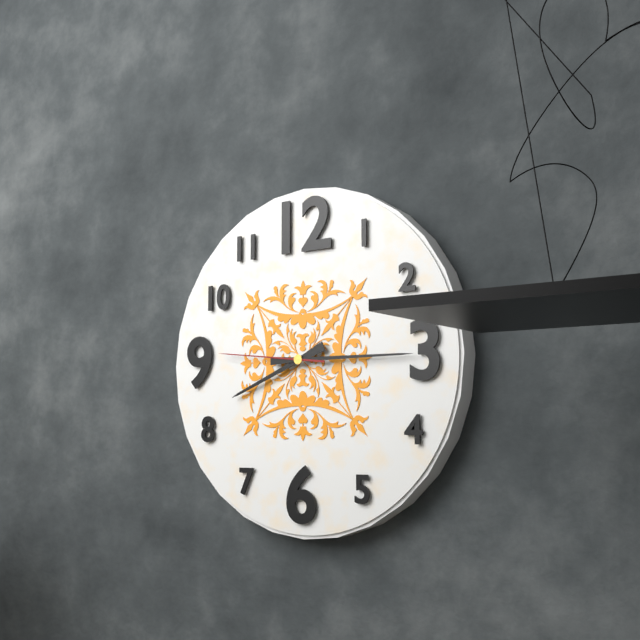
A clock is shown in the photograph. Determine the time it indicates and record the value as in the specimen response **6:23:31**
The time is **8:15:46**
